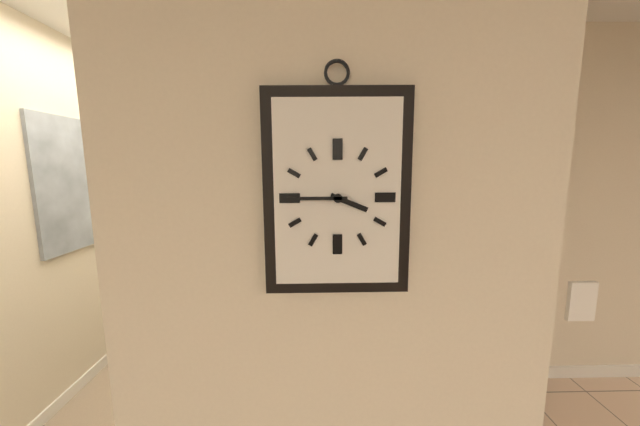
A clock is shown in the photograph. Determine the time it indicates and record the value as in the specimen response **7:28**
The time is **3:45**
